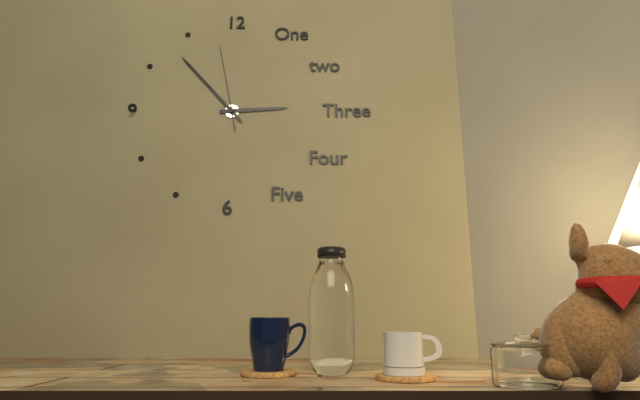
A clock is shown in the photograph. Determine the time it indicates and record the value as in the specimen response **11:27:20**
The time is **2:53:58**
